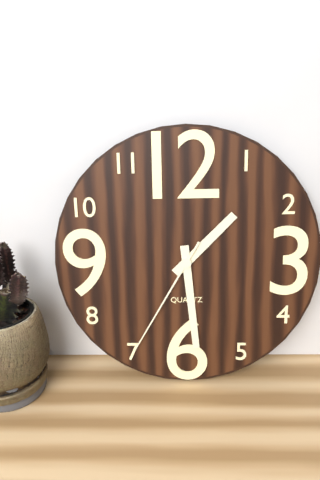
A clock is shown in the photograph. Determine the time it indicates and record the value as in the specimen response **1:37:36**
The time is **1:29:35**
